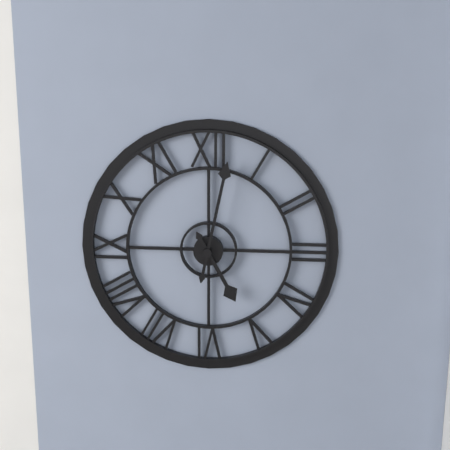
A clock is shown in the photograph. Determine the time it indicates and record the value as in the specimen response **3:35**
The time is **5:02**
